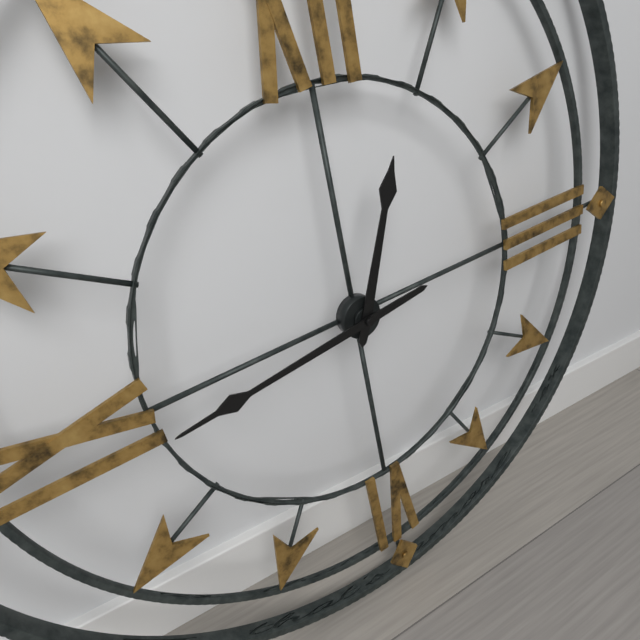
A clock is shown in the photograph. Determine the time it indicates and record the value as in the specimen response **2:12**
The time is **12:44**
